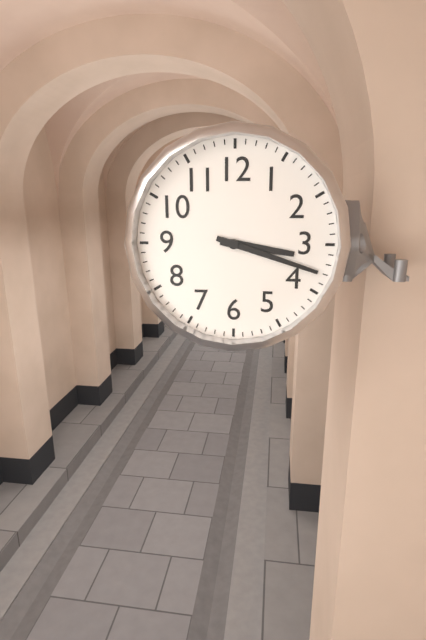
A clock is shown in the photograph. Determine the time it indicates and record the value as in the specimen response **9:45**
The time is **3:18**
